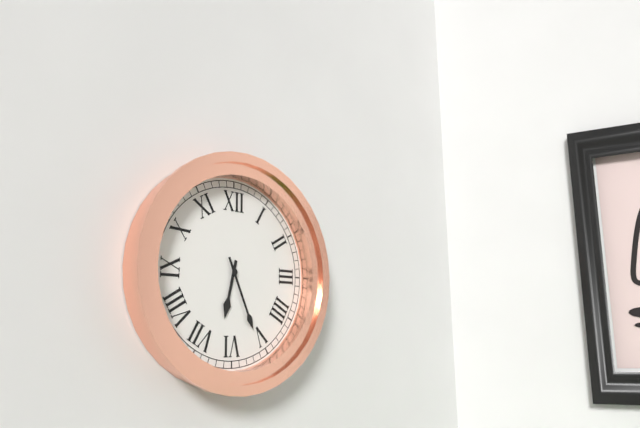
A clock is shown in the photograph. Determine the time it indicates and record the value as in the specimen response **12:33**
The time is **6:26**
